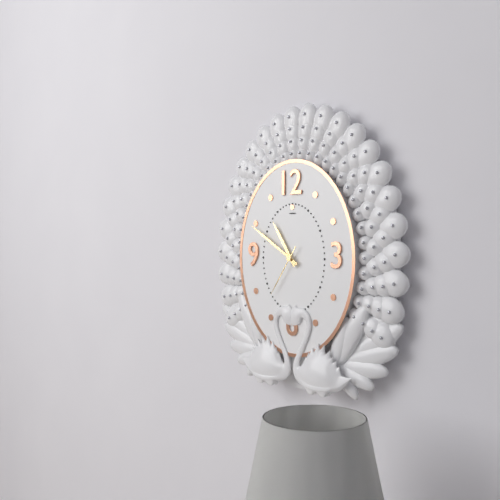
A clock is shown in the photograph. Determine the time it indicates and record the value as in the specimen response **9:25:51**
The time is **10:50:36**
